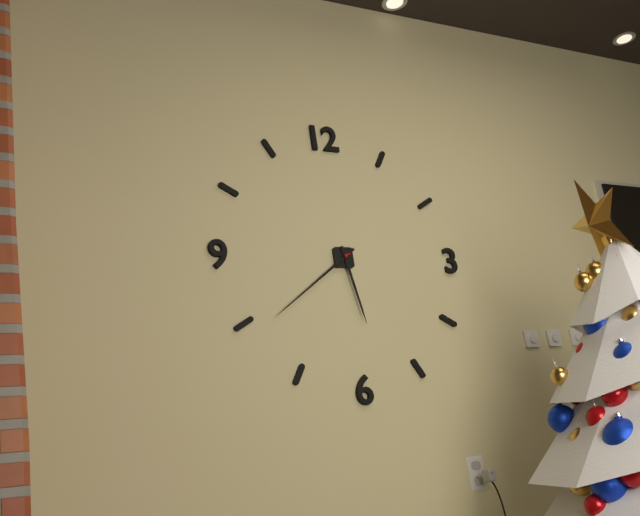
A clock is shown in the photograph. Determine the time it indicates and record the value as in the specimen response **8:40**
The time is **5:39**
